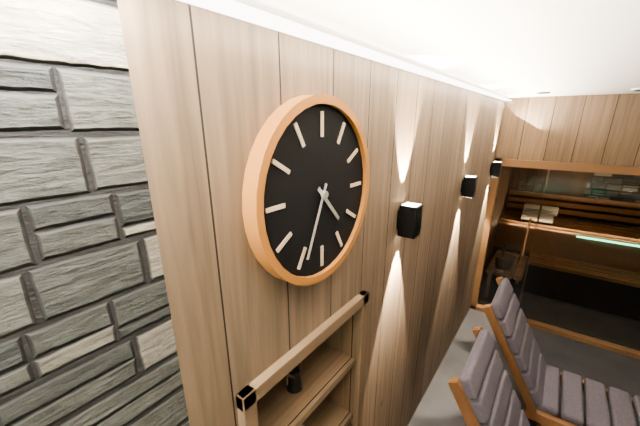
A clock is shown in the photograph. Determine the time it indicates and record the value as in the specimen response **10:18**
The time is **4:34**
